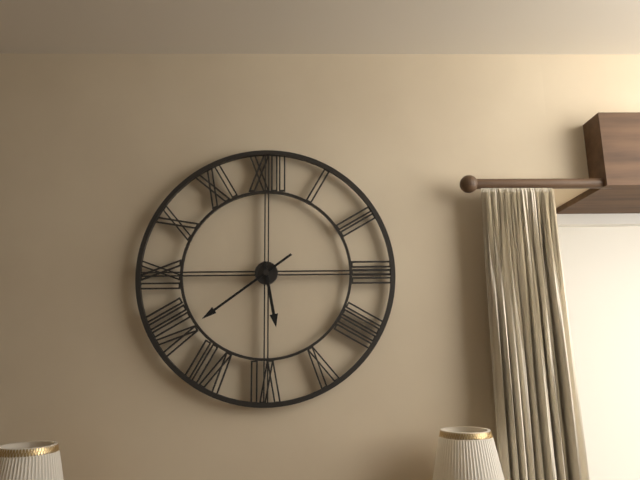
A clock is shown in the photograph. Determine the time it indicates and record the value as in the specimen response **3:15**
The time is **5:39**
